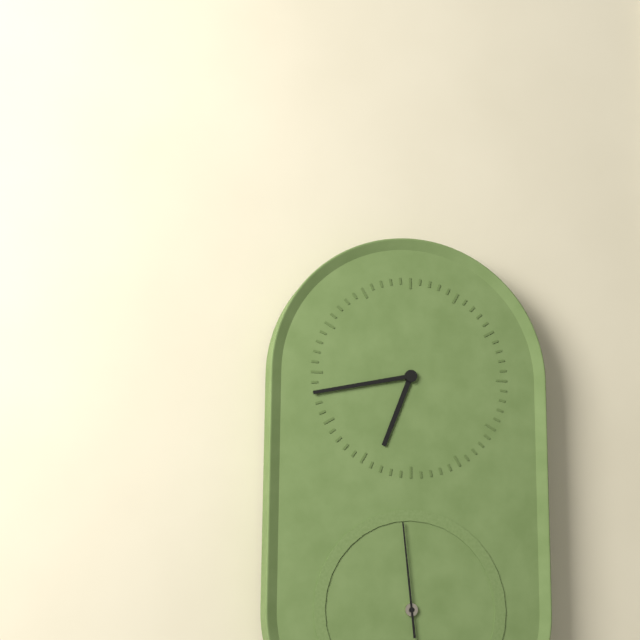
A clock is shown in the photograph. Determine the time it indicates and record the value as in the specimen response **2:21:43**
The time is **6:43:59**
